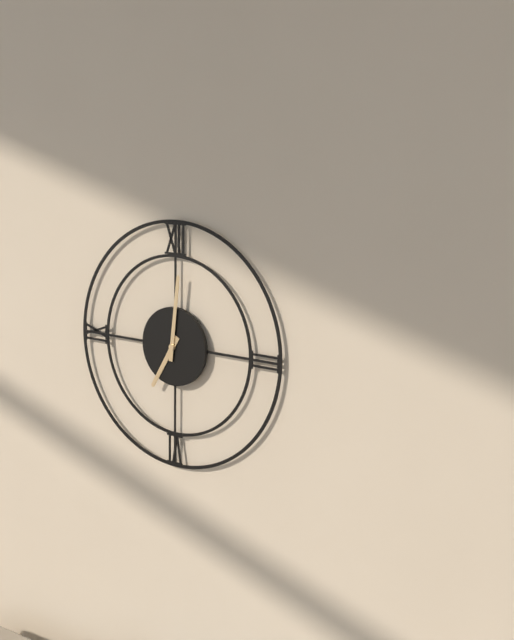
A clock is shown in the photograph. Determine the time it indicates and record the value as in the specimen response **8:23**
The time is **7:01**
